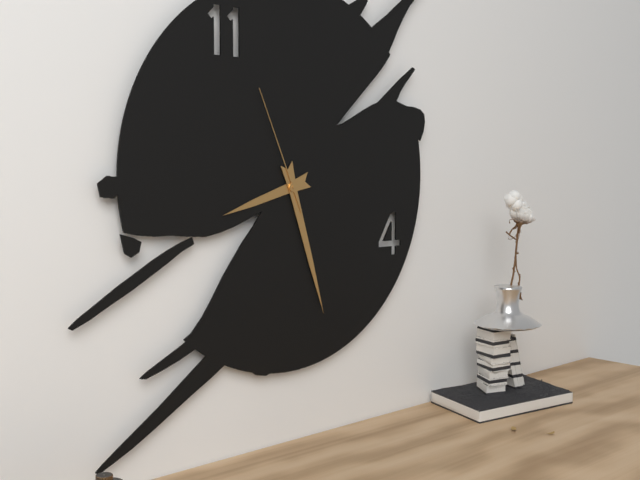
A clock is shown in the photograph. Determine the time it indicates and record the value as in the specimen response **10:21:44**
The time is **8:27:56**
